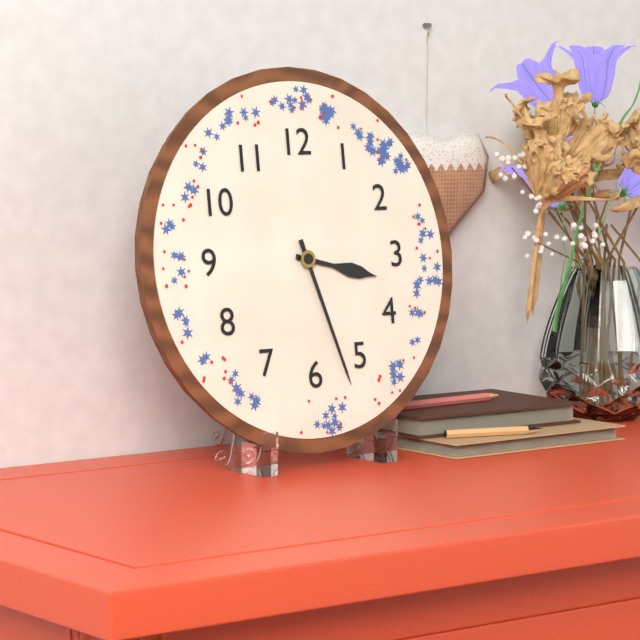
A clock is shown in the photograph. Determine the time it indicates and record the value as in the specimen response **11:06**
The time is **3:27**
